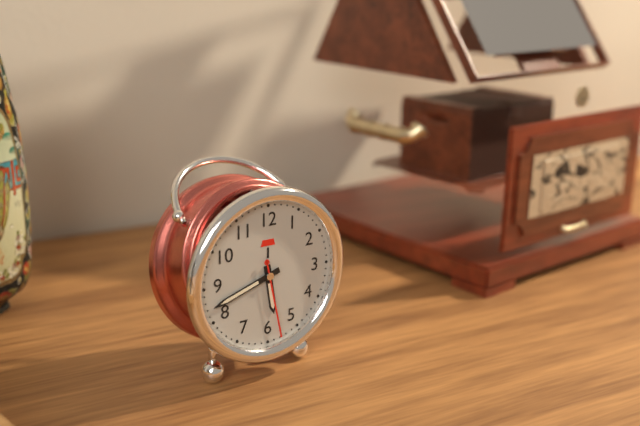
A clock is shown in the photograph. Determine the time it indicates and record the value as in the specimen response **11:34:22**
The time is **5:42:28**
